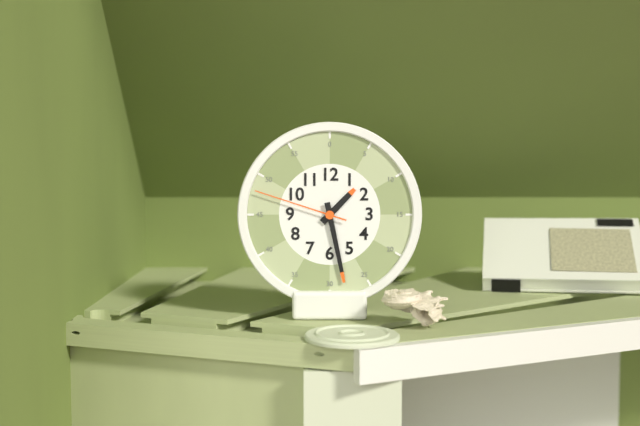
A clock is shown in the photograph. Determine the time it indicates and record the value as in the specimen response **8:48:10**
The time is **1:28:48**
